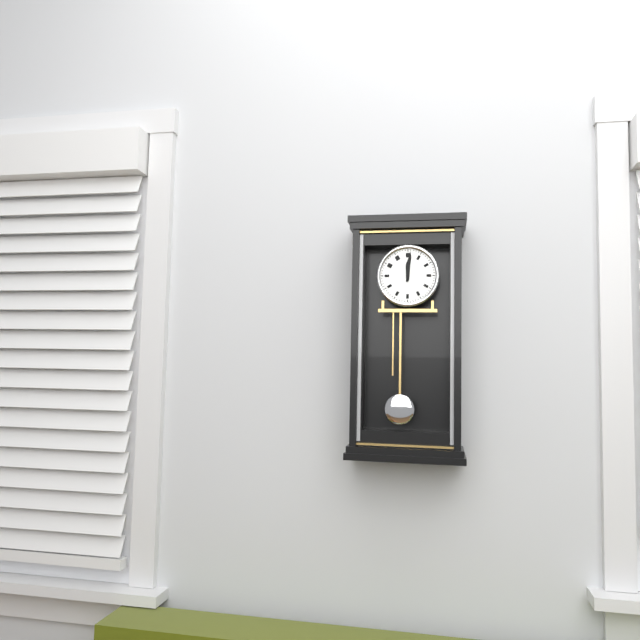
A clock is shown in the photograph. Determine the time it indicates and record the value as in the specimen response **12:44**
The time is **12:01**
